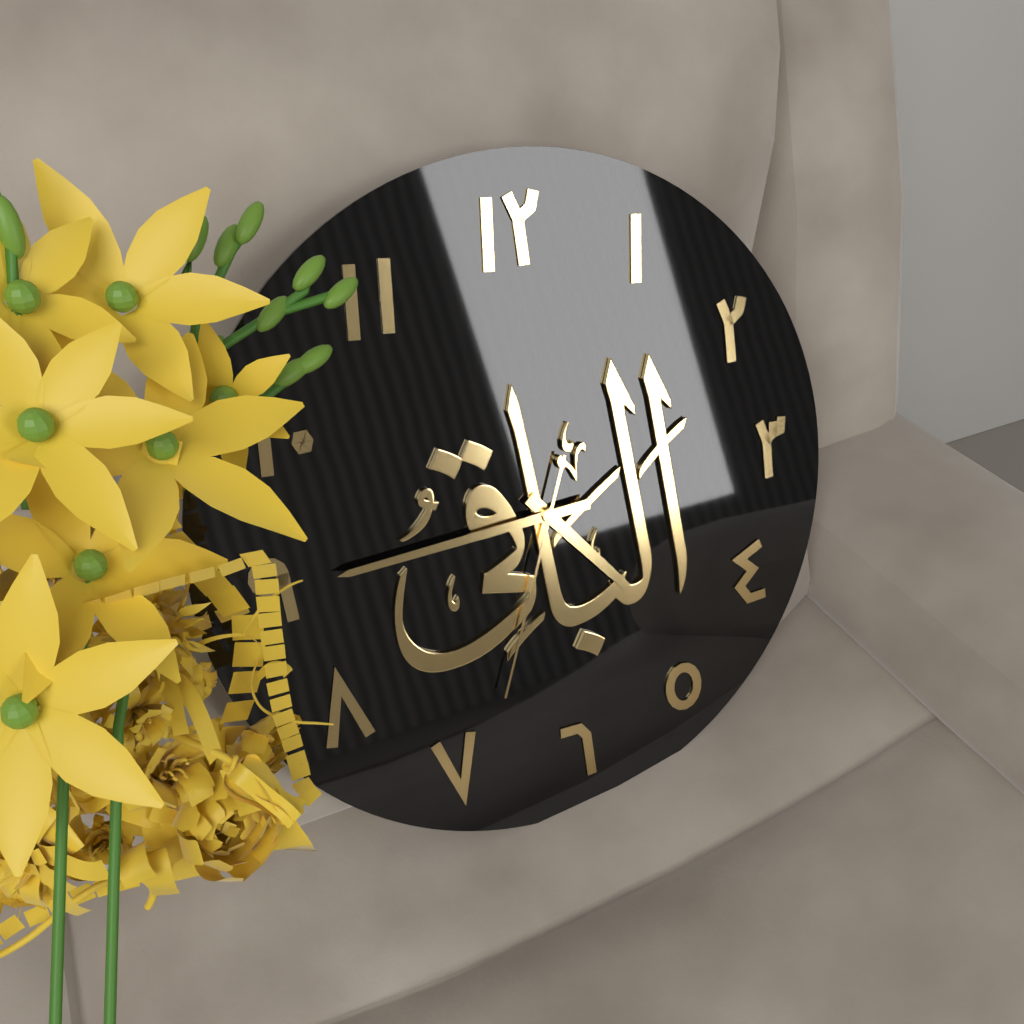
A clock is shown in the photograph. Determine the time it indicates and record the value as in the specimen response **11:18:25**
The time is **4:45:34**
